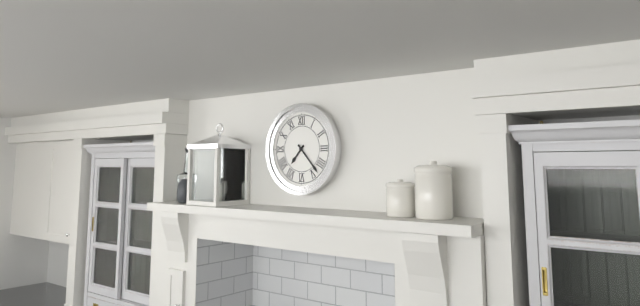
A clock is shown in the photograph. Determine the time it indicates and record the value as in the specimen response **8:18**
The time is **7:23**
